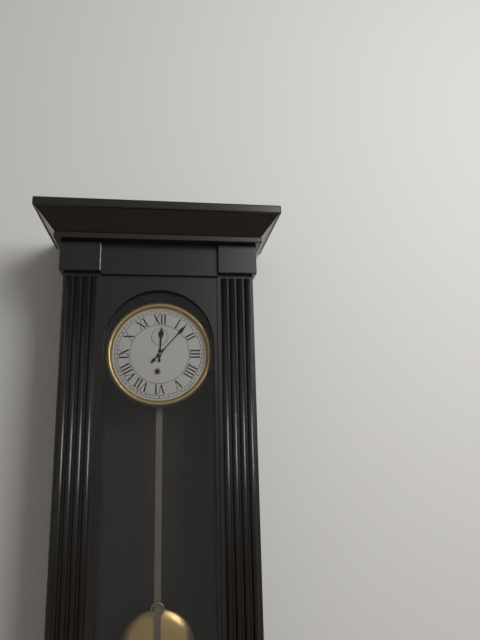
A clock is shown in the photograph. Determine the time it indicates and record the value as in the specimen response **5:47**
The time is **12:07**
